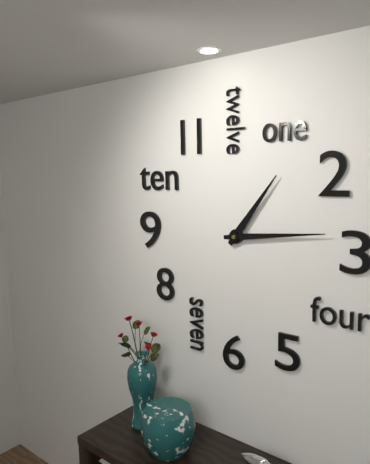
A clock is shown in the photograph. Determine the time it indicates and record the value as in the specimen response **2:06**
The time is **1:14**
